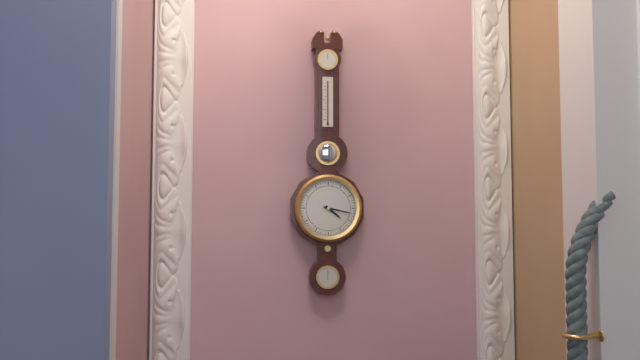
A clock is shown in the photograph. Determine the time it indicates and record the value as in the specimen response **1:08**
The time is **4:17**
